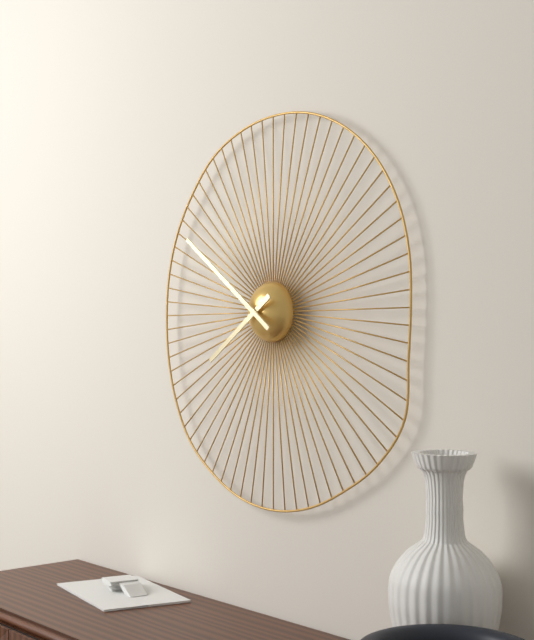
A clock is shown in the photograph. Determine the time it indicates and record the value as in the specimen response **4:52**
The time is **7:51**
